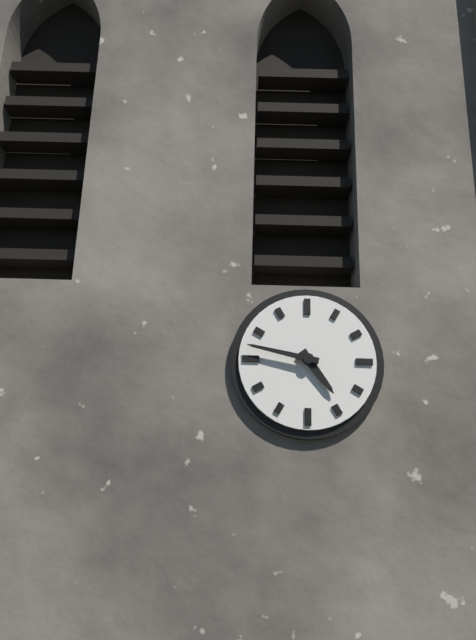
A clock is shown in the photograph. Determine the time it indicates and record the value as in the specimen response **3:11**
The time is **4:47**
